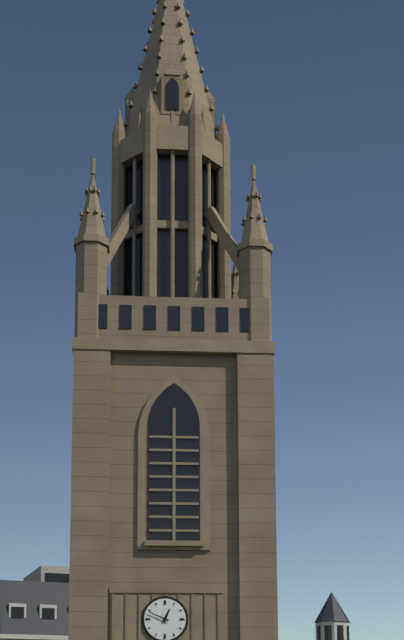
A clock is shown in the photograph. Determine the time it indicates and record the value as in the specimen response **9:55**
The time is **12:49**
